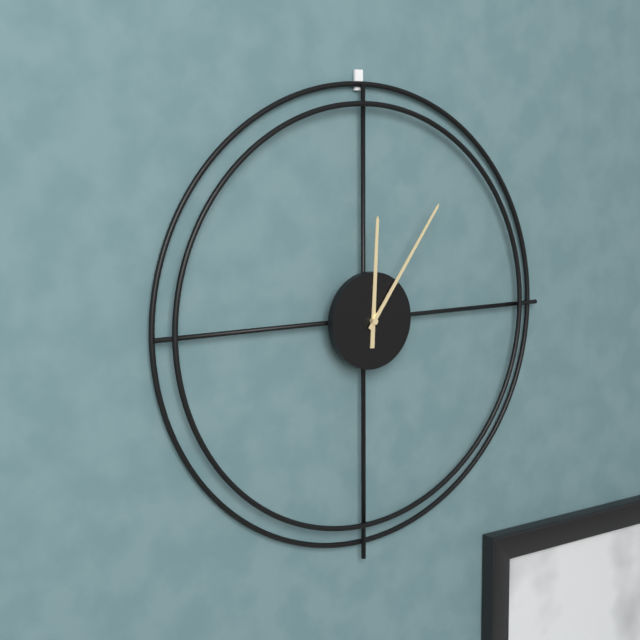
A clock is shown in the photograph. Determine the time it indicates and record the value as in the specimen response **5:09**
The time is **12:06**
